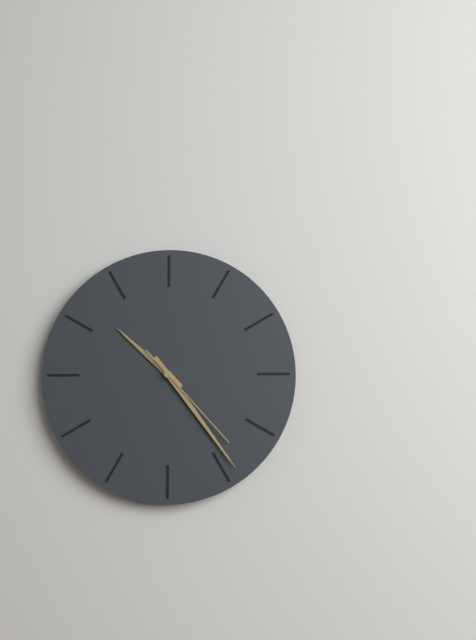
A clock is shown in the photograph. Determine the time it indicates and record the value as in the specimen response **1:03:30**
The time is **10:24:23**
